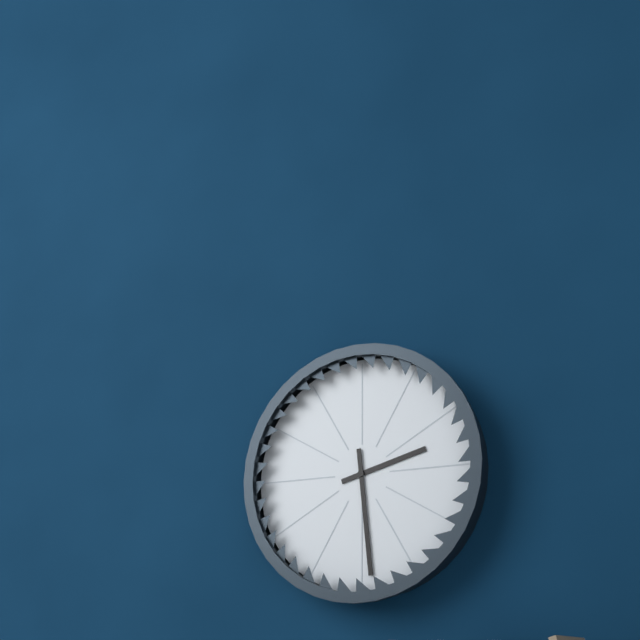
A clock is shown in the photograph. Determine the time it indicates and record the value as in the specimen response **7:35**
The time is **2:29**
